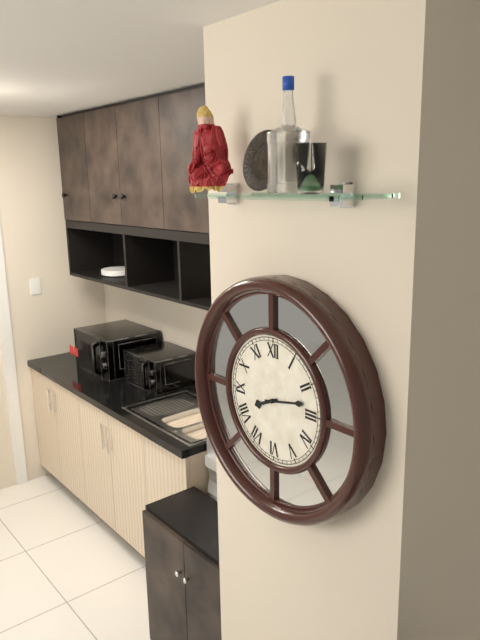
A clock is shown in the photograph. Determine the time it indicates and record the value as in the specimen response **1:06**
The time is **8:13**
